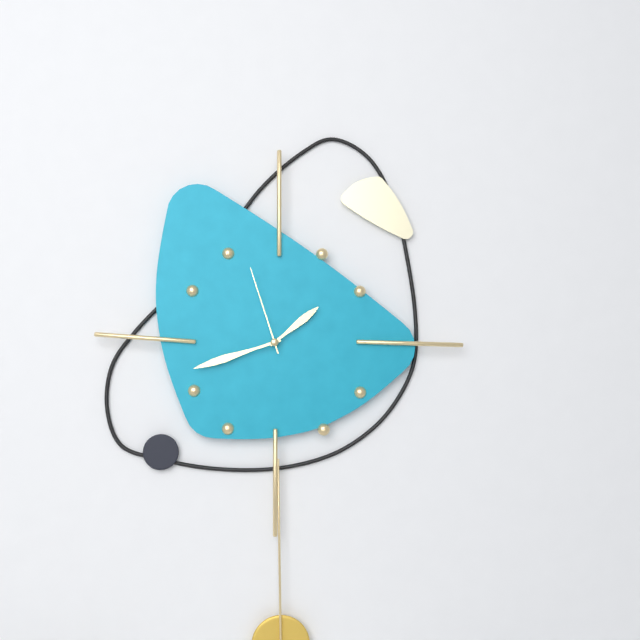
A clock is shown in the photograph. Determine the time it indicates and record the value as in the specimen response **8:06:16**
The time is **1:42:57**
